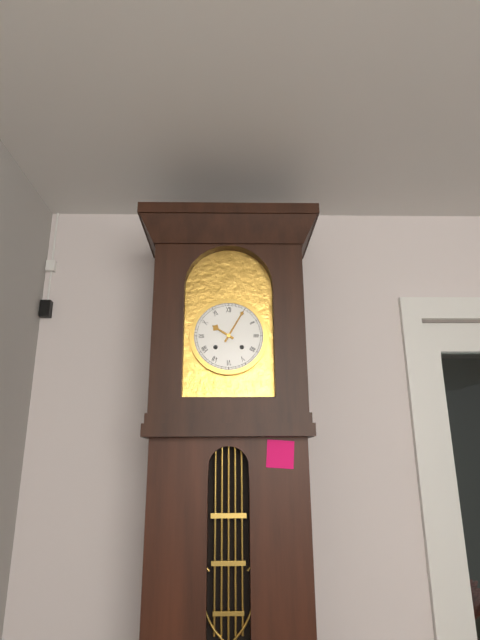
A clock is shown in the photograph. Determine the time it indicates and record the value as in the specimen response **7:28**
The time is **10:05**
